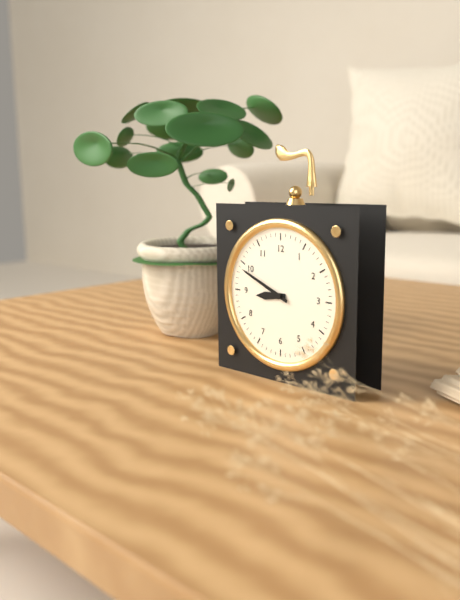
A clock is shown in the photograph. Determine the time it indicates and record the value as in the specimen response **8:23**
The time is **8:49**
